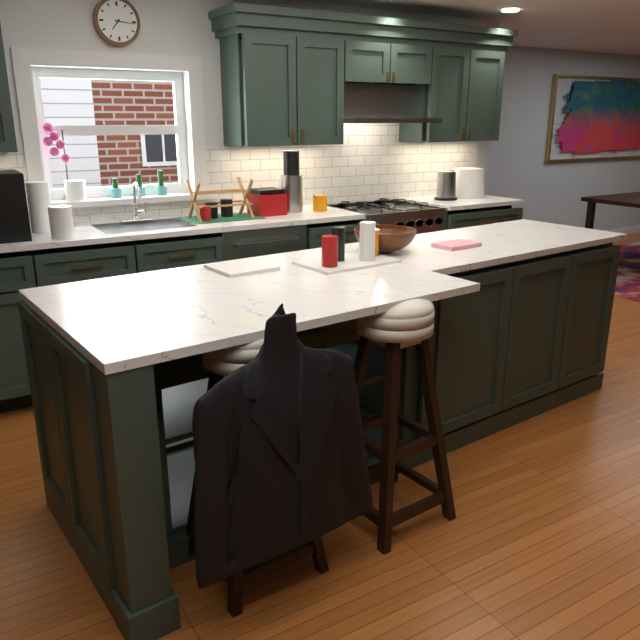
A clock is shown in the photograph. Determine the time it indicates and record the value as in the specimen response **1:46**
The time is **7:16**
